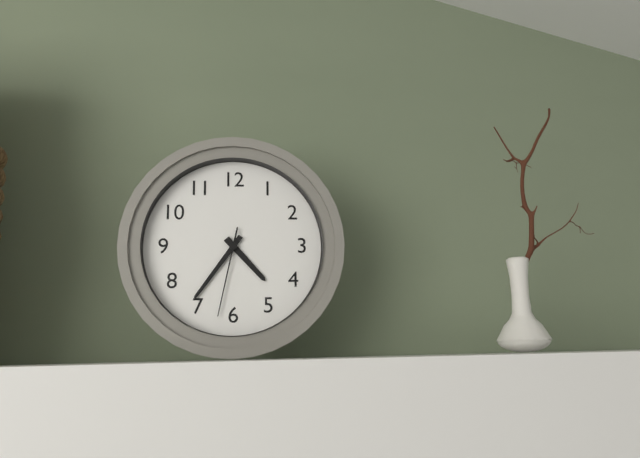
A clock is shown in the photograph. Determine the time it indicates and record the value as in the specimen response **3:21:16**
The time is **4:36:32**
